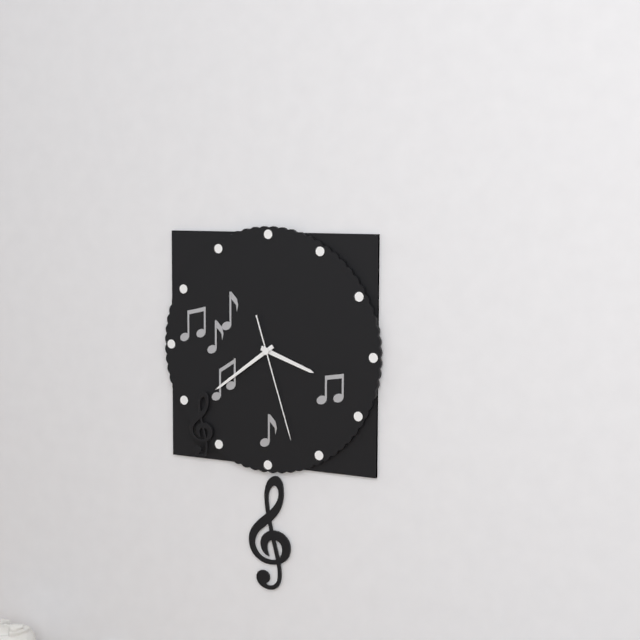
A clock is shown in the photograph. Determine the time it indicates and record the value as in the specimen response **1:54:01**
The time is **3:39:27**
